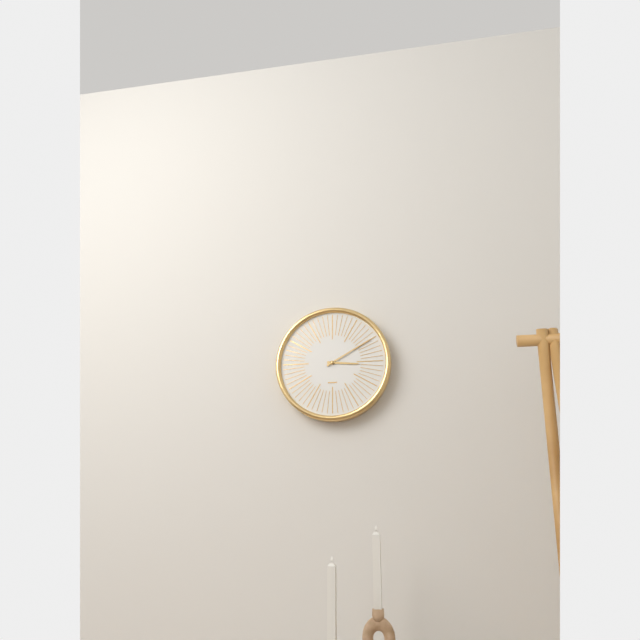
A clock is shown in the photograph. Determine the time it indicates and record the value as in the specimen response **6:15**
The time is **3:10**
